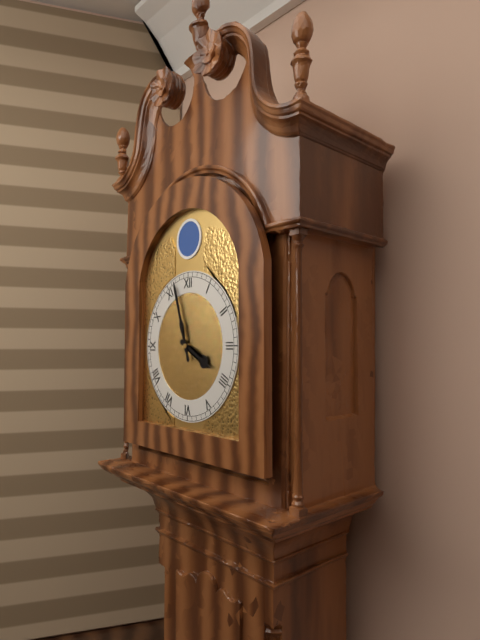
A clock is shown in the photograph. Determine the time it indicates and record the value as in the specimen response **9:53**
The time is **3:57**
